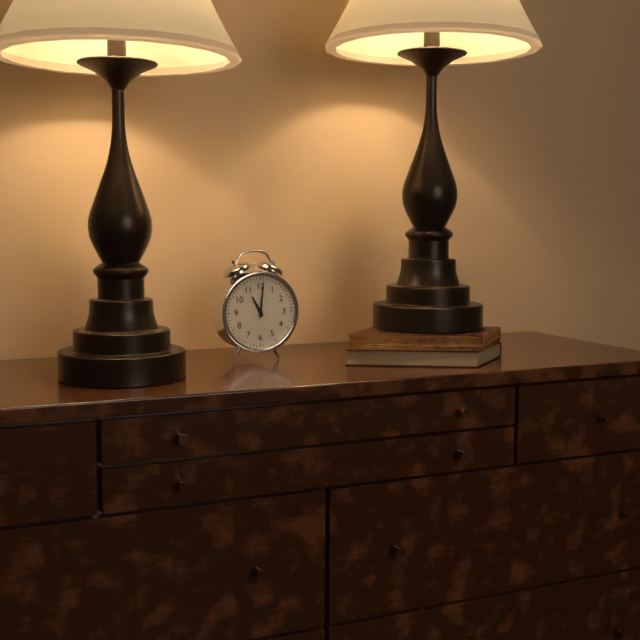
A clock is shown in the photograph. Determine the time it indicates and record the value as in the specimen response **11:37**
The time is **11:01**
